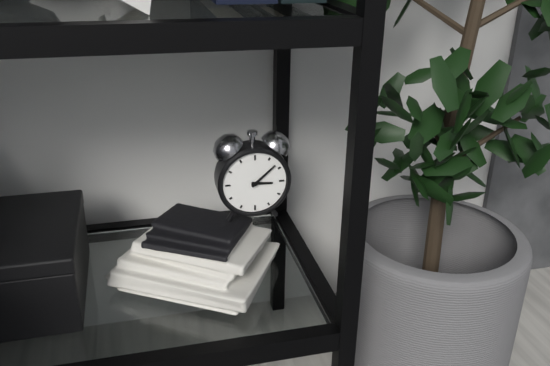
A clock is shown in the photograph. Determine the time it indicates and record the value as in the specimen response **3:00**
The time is **3:08**
